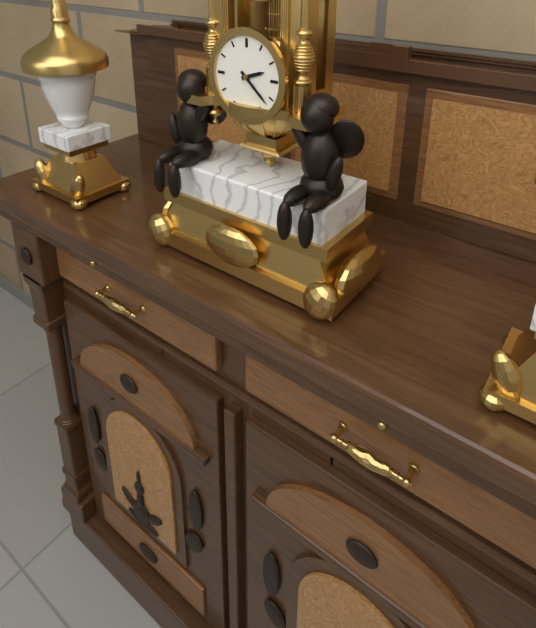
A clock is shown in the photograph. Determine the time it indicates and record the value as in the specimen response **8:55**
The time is **2:22**
